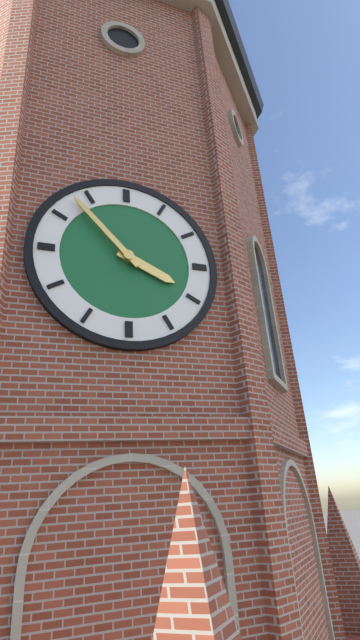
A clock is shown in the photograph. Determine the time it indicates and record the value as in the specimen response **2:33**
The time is **3:53**
